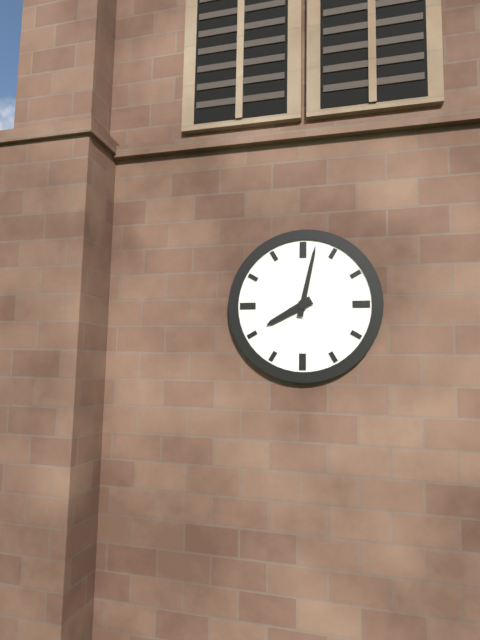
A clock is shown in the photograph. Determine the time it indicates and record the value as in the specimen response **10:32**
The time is **8:02**
